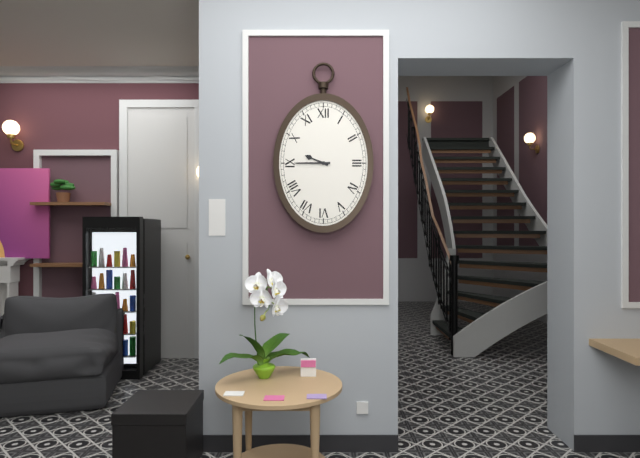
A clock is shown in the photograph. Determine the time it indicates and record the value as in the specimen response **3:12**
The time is **9:45**
